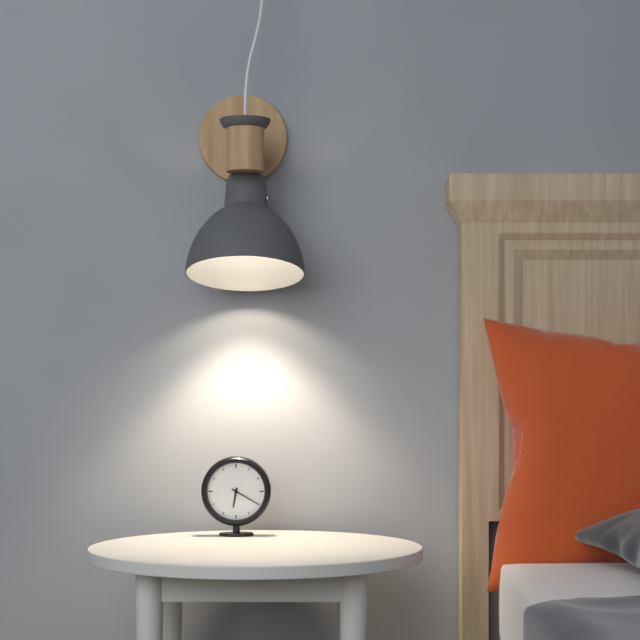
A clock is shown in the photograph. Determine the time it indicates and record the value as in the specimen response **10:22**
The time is **6:20**
